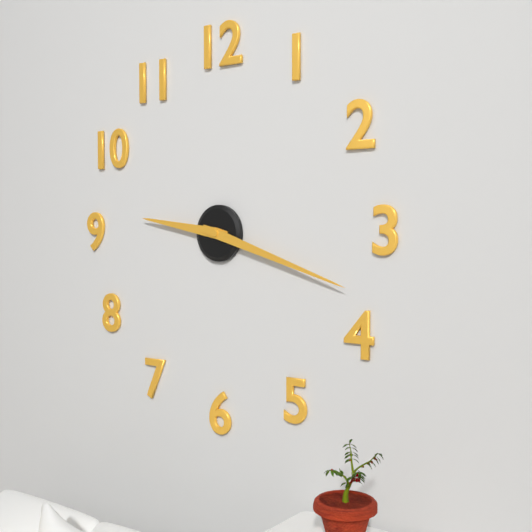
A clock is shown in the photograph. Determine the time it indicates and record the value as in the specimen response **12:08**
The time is **9:18**
